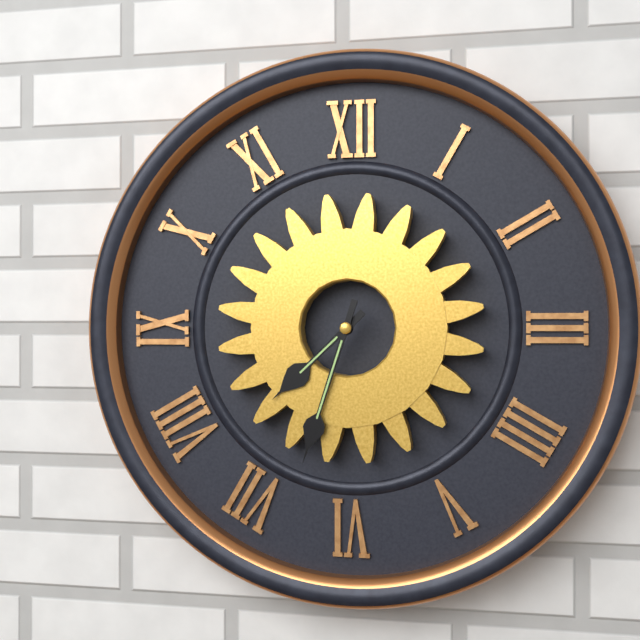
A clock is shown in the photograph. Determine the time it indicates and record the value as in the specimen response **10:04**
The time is **7:33**
